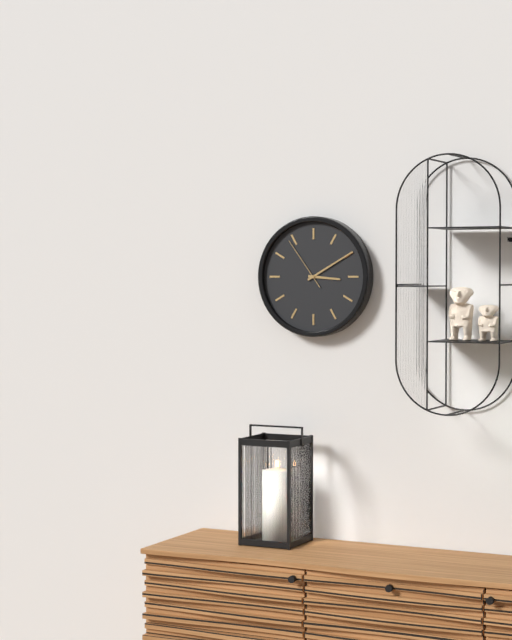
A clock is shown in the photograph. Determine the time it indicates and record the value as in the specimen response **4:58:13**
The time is **3:10:54**
